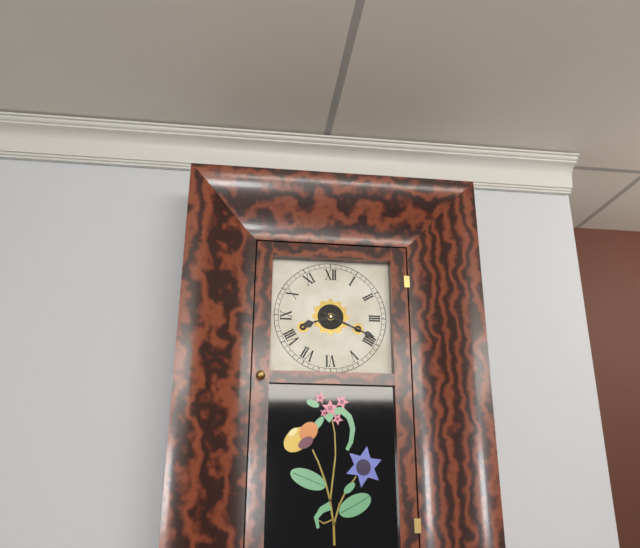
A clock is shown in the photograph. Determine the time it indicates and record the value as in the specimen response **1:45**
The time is **8:19**
